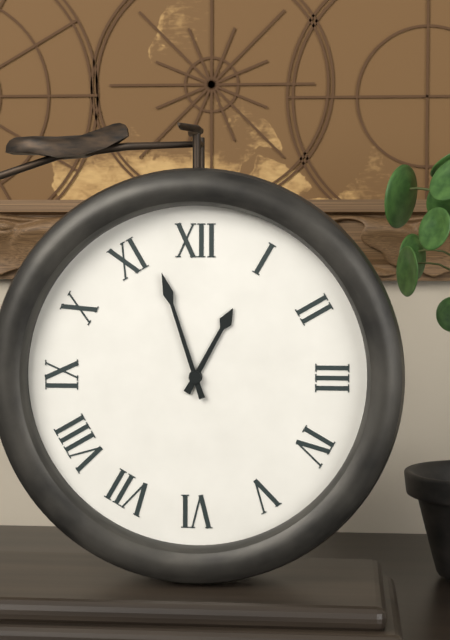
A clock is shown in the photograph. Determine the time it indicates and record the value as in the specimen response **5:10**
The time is **12:57**
